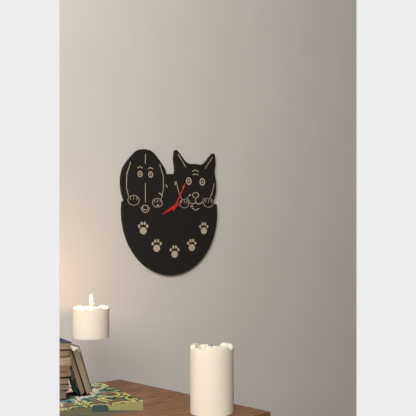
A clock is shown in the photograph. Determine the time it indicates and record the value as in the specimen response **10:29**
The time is **8:05**
